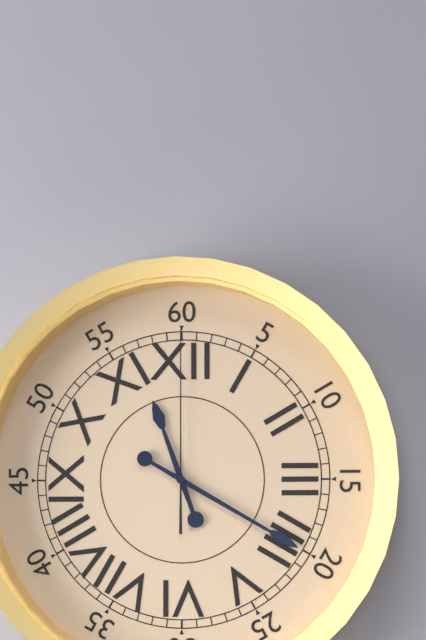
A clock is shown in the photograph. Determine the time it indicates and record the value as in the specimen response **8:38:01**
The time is **11:20:00**
